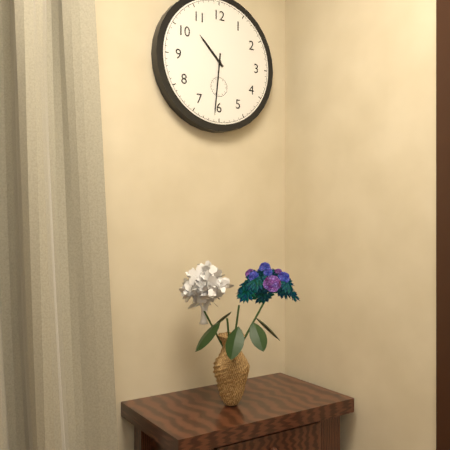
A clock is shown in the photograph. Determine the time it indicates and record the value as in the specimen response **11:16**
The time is **10:31**
